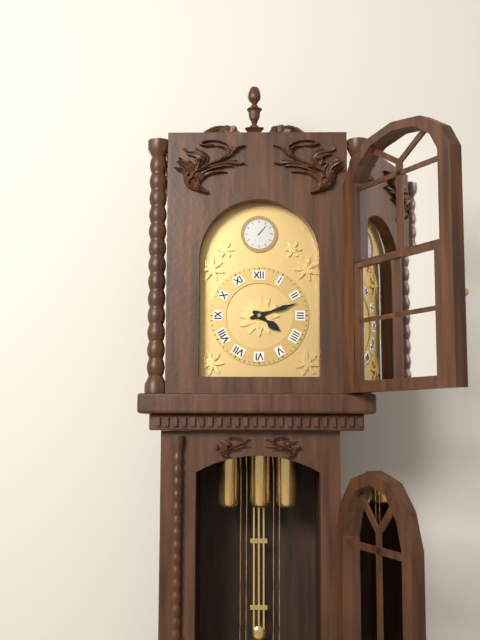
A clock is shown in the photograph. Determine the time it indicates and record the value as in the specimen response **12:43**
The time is **4:12**
